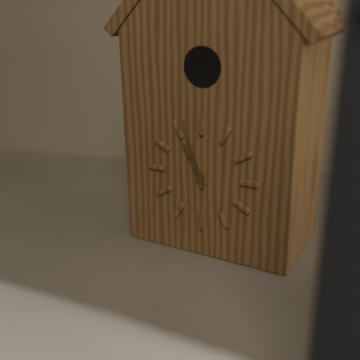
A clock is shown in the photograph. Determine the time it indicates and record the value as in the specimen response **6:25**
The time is **10:57**
